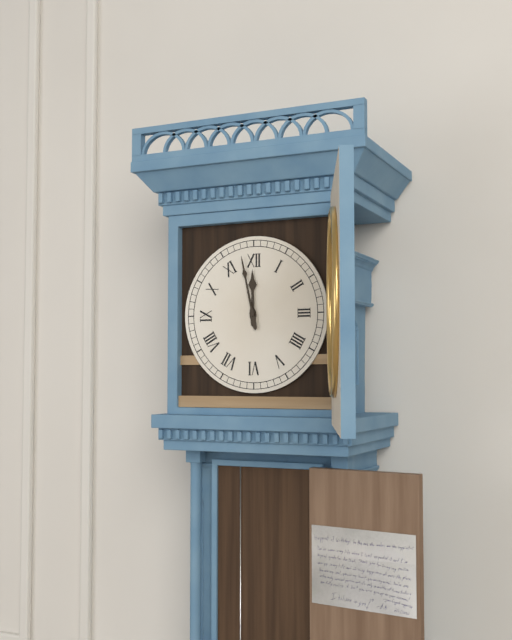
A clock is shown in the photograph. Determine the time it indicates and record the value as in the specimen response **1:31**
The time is **11:58**
